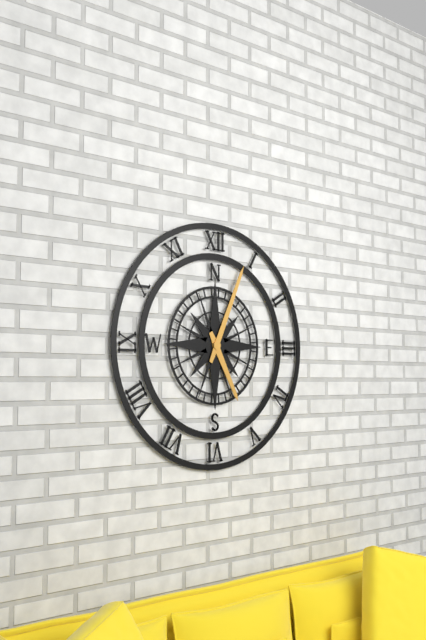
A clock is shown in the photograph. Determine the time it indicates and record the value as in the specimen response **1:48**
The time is **5:04**
